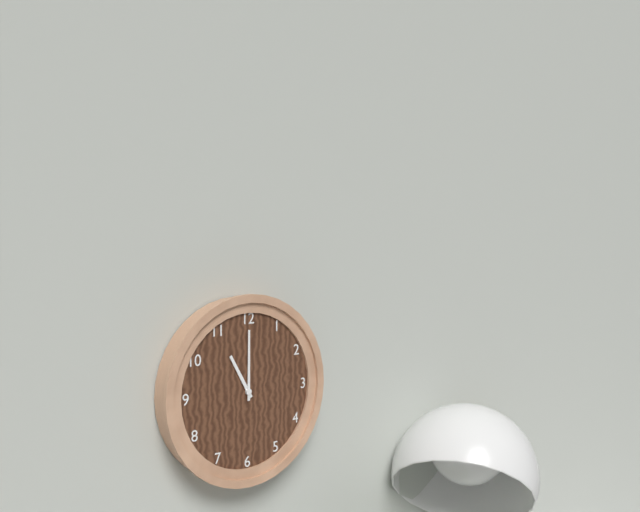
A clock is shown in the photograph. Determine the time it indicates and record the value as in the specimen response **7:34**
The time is **11:00**
